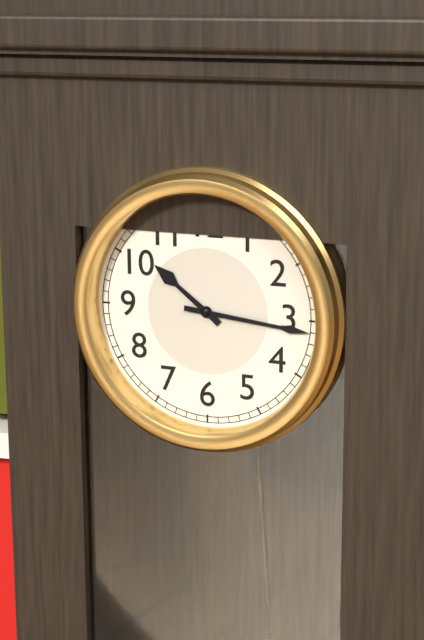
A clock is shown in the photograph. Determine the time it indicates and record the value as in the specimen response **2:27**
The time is **10:16**
